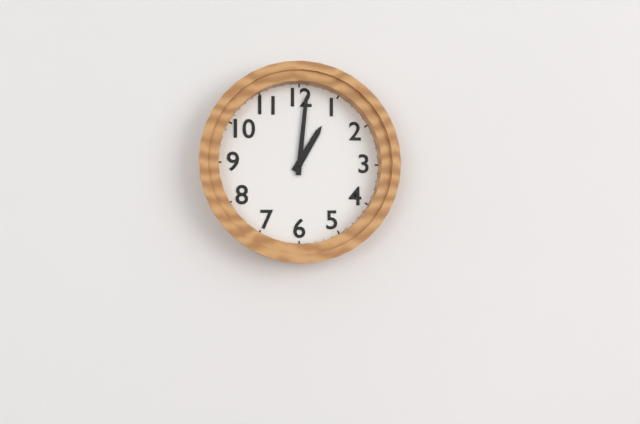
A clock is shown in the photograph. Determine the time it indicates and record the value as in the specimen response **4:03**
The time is **1:01**
